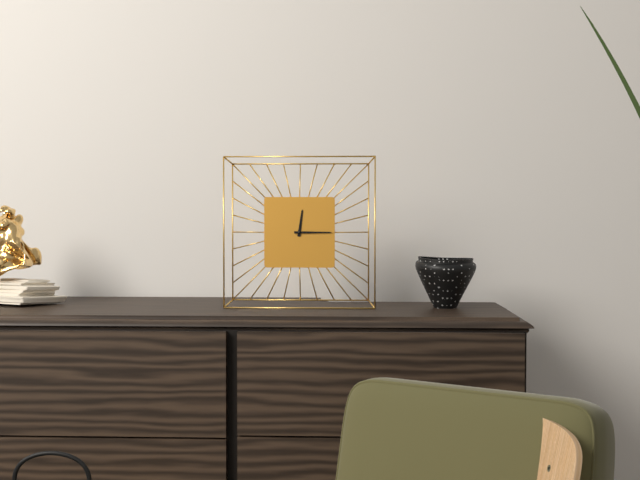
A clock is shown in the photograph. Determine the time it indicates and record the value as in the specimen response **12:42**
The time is **12:15**
